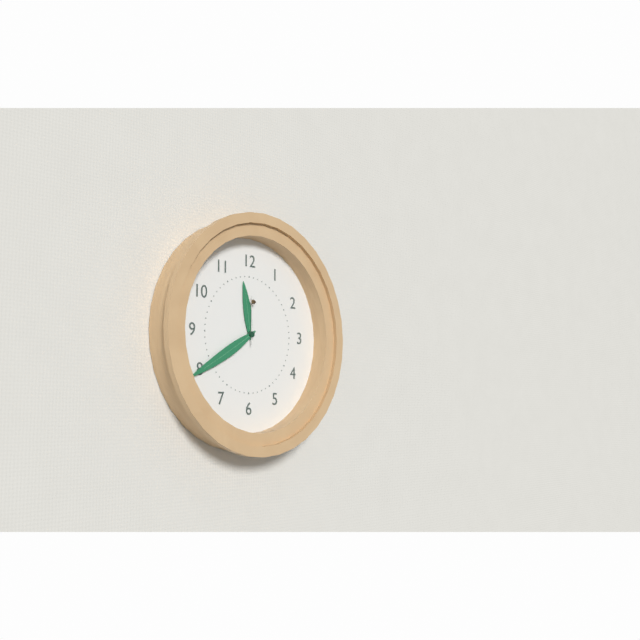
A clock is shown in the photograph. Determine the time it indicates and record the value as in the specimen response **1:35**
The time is **11:40**
